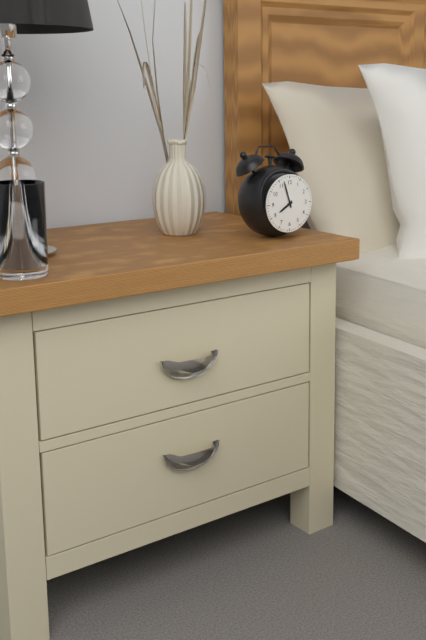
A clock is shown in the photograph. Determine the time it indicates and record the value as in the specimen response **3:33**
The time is **7:57**
